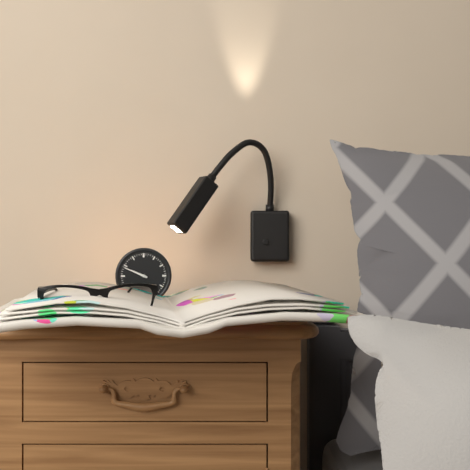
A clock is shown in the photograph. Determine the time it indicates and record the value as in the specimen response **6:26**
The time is **9:49**
